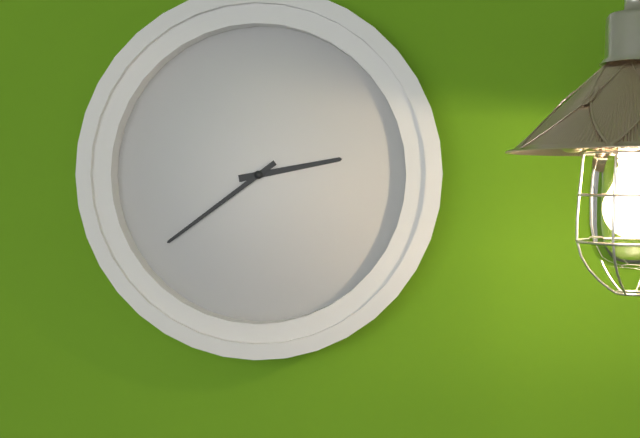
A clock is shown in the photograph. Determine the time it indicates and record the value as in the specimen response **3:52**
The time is **2:39**
